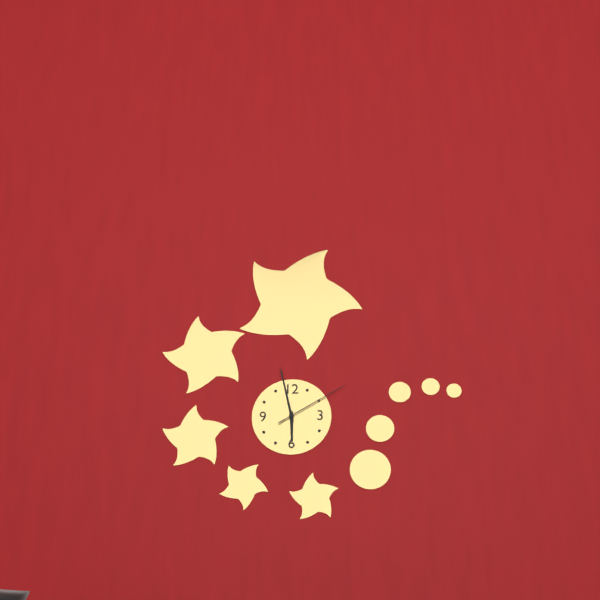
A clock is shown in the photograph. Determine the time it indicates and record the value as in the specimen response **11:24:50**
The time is **5:58:10**
